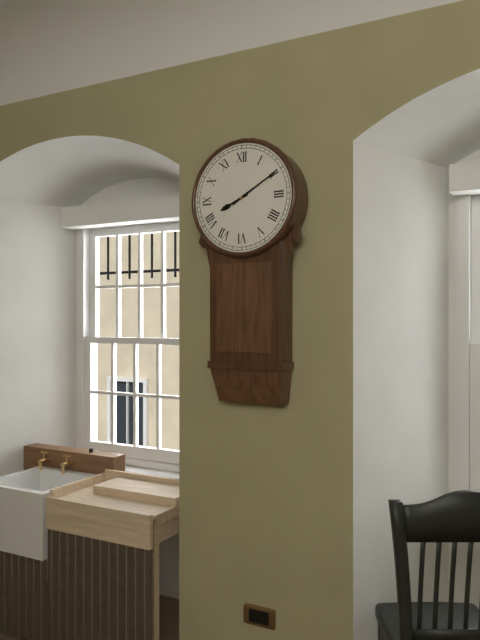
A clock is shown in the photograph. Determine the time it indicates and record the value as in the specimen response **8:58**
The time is **8:10**
